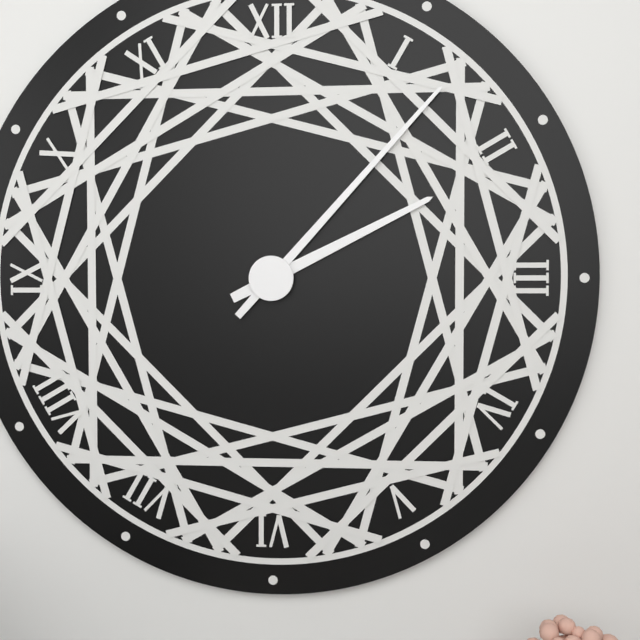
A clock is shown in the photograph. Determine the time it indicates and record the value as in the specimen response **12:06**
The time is **2:07**
